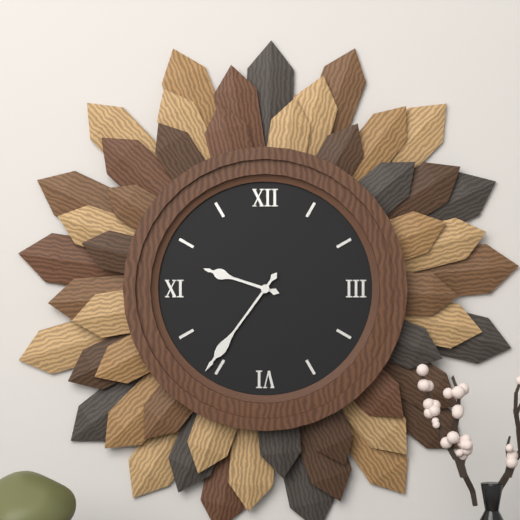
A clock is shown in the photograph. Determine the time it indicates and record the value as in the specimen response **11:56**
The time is **9:36**
